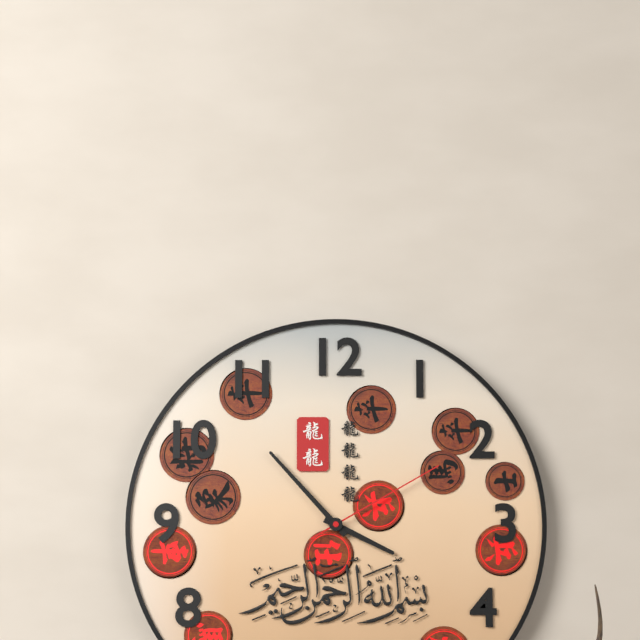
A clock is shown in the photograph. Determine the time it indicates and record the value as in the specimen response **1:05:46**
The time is **3:53:10**
